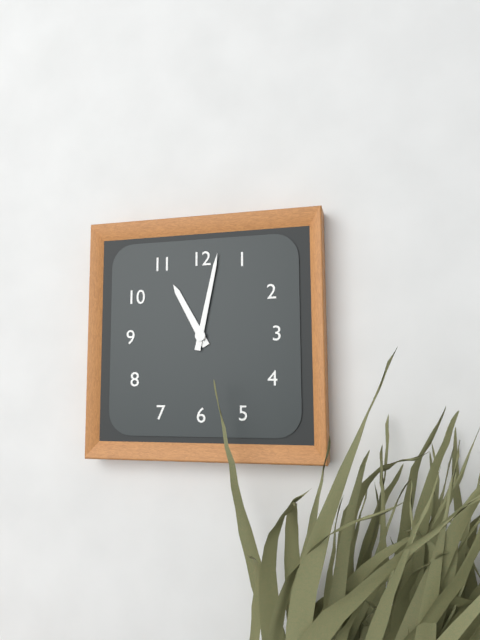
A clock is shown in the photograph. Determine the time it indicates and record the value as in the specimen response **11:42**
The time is **11:02**
